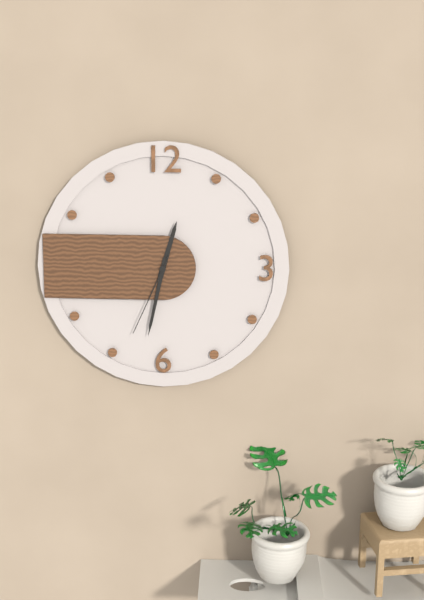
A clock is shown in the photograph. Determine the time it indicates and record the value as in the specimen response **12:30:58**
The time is **12:32:34**
